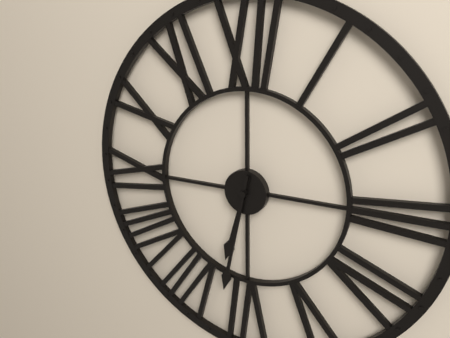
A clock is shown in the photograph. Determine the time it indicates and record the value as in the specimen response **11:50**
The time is **6:32**
